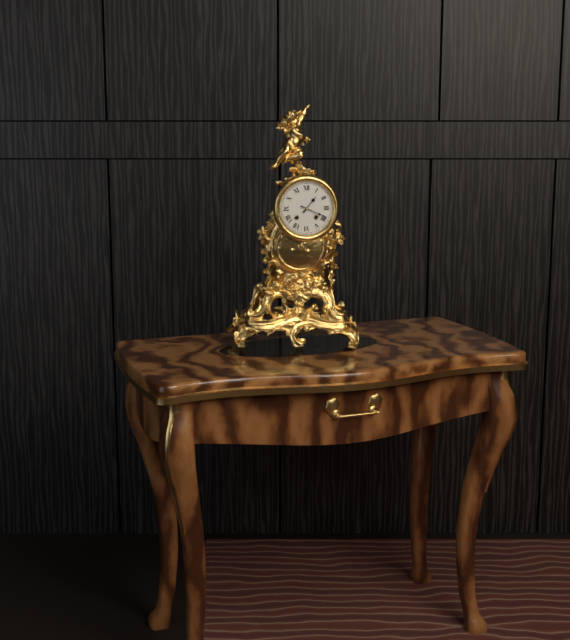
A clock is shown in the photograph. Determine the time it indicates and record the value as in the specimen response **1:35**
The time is **1:19**
